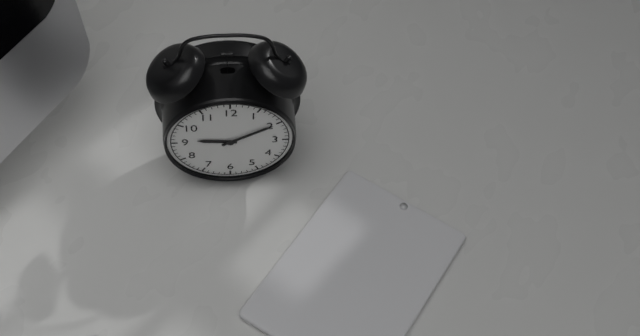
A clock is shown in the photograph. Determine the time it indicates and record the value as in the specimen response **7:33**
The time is **9:10**
